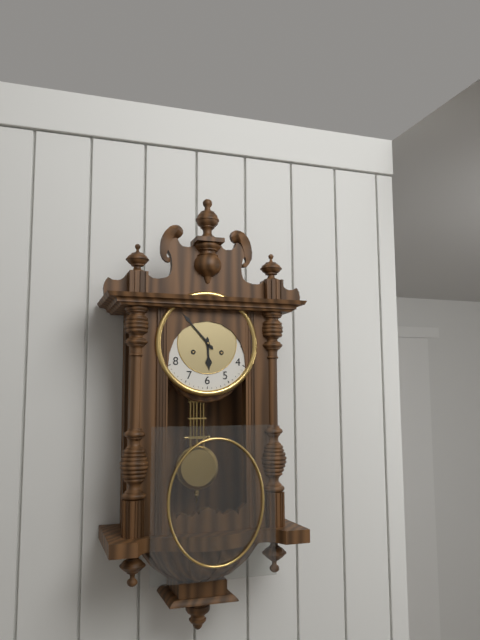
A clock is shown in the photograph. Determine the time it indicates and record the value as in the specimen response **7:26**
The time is **5:53**
